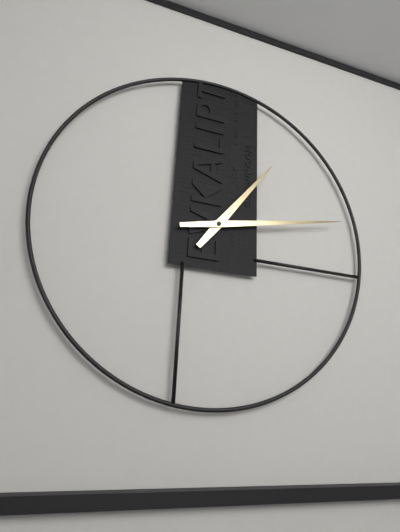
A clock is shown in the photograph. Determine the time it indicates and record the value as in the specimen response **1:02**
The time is **1:13**
